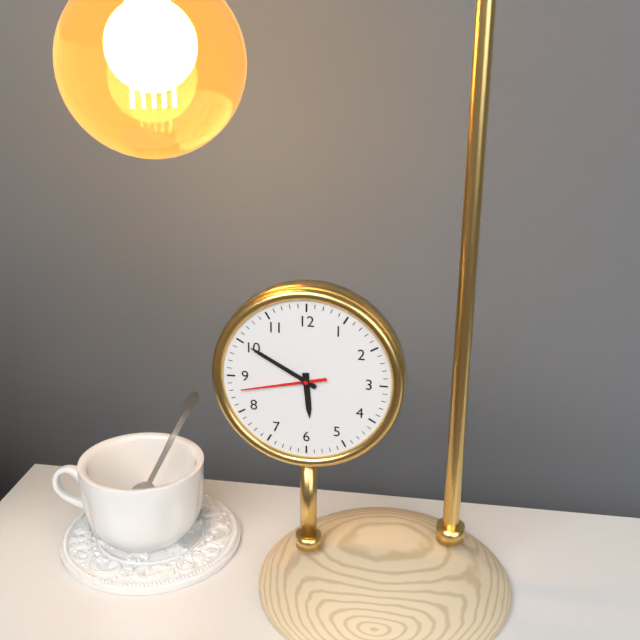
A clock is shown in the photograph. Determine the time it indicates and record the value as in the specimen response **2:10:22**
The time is **5:50:43**
